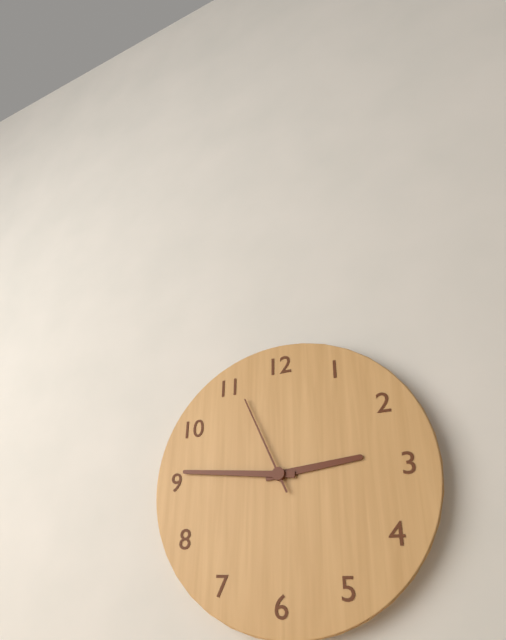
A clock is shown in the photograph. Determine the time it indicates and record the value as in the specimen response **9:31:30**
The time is **2:46:56**
